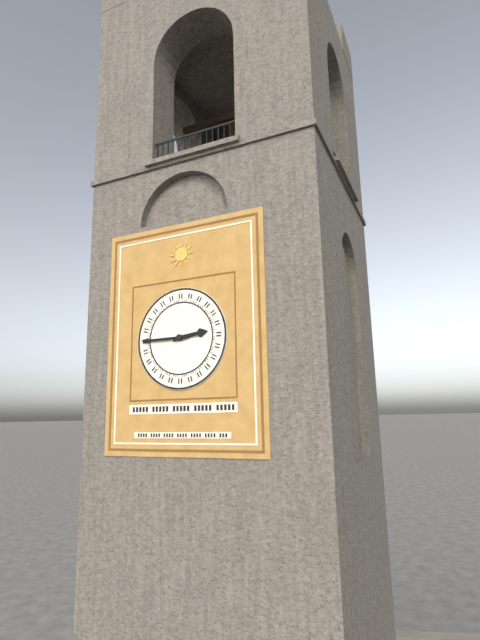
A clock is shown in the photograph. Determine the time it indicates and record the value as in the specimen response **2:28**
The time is **2:45**
